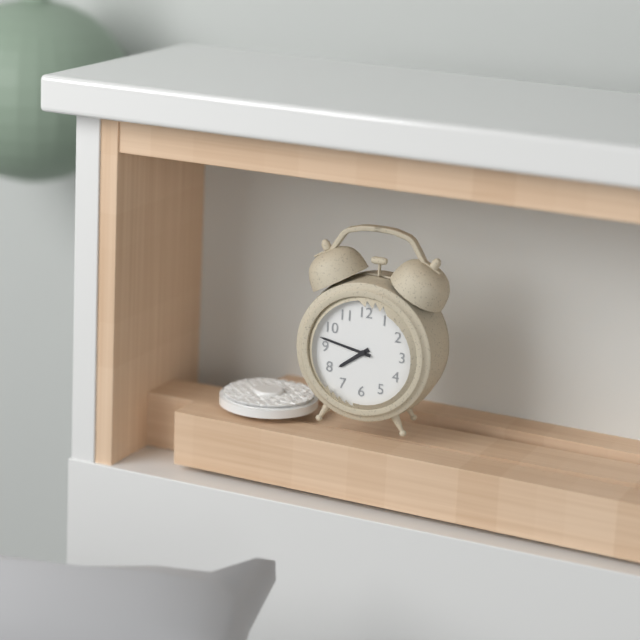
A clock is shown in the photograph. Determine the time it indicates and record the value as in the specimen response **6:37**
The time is **7:47**
